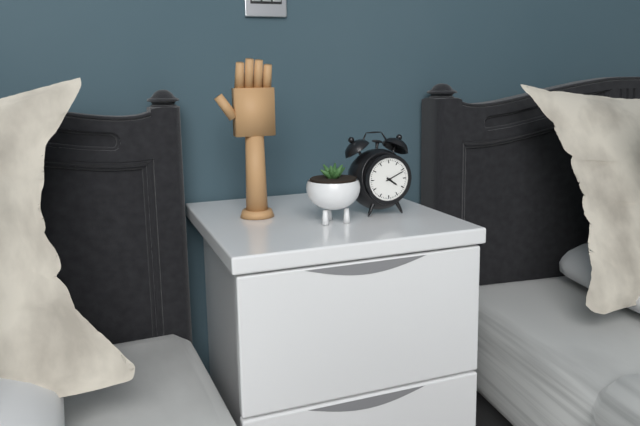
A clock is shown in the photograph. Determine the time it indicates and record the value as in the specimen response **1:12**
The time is **4:11**
